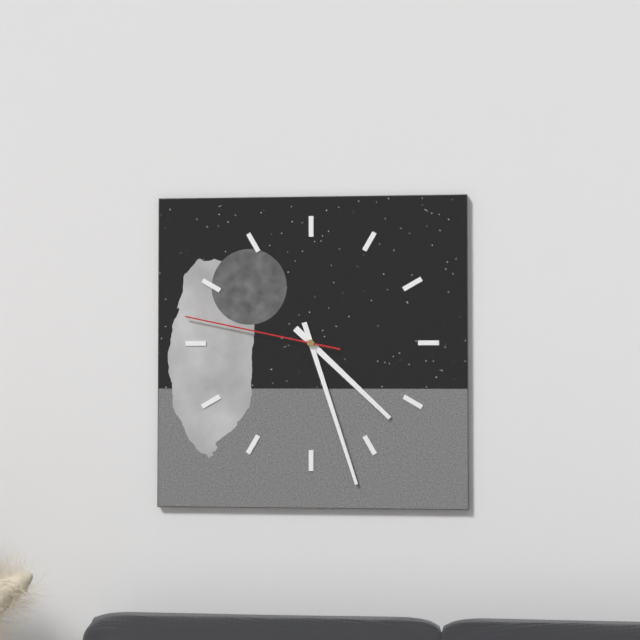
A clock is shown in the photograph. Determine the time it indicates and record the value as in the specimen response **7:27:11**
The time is **4:27:47**
